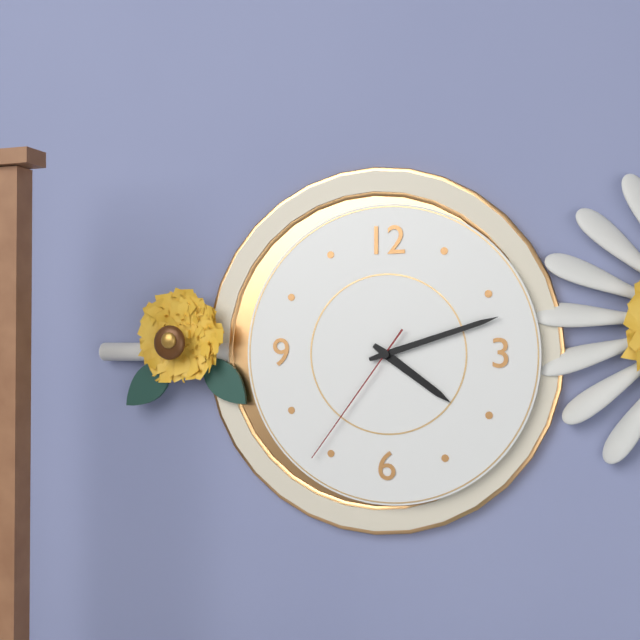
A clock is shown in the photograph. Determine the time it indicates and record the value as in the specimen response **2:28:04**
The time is **4:12:36**
